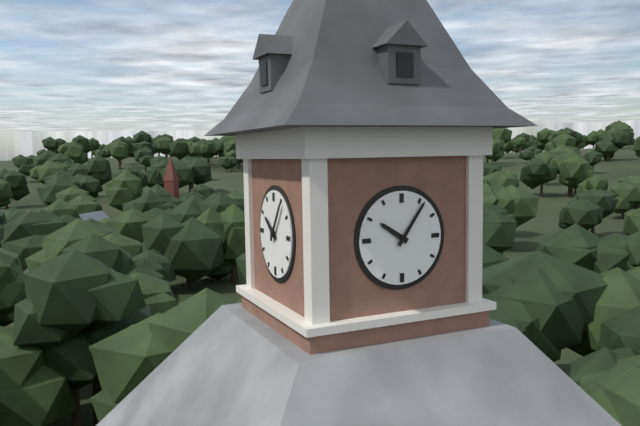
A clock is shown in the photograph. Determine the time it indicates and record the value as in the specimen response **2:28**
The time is **10:06**
